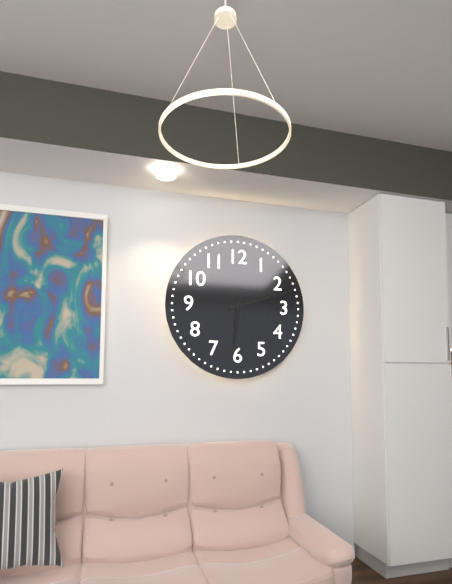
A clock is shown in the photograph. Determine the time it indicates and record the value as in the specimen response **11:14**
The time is **6:12**
